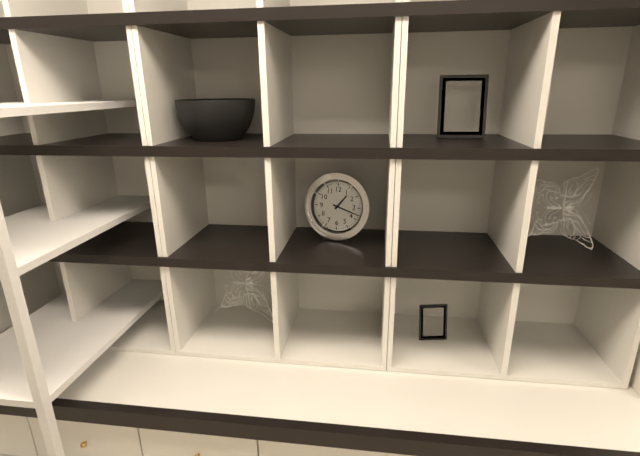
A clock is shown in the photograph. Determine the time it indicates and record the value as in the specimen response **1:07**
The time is **1:18**
